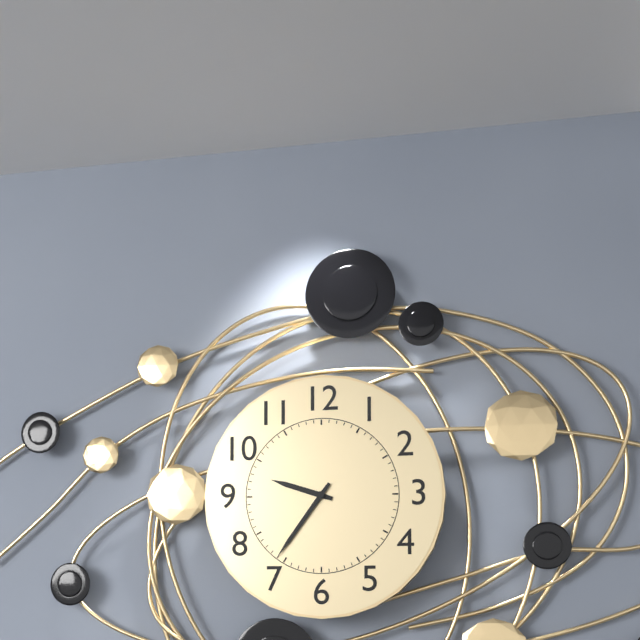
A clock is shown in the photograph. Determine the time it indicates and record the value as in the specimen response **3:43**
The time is **9:36**
